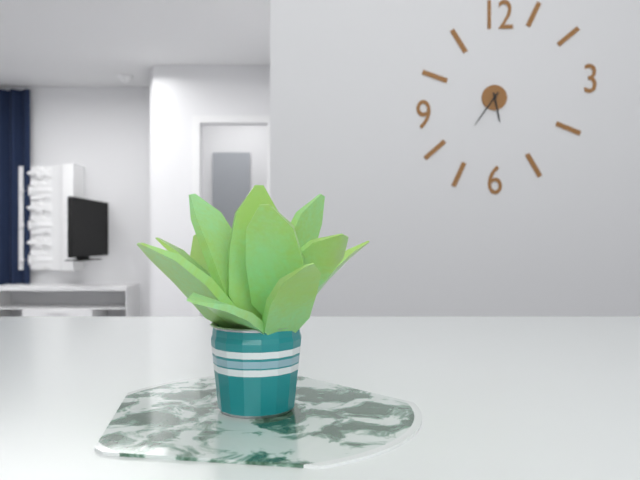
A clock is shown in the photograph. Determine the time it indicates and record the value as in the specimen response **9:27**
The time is **5:36**
